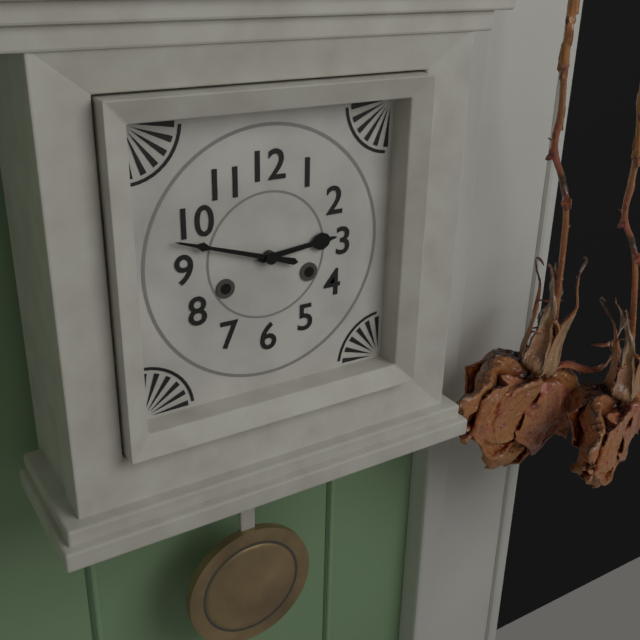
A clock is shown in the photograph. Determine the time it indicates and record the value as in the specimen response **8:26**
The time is **2:48**
